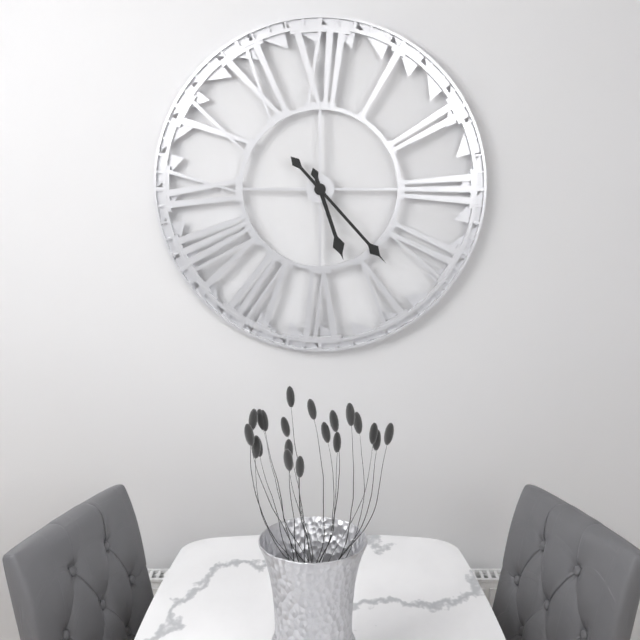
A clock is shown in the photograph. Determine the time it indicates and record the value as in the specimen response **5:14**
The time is **5:23**
